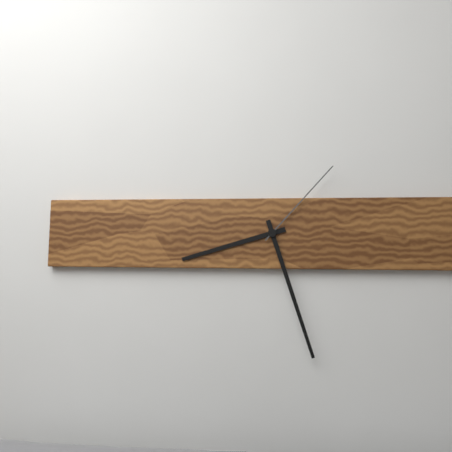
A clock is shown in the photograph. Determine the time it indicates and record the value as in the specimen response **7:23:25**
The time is **8:27:07**
